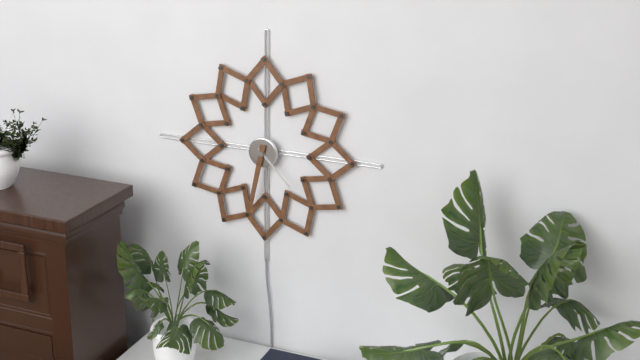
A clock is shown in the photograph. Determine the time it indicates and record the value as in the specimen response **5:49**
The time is **4:32**
